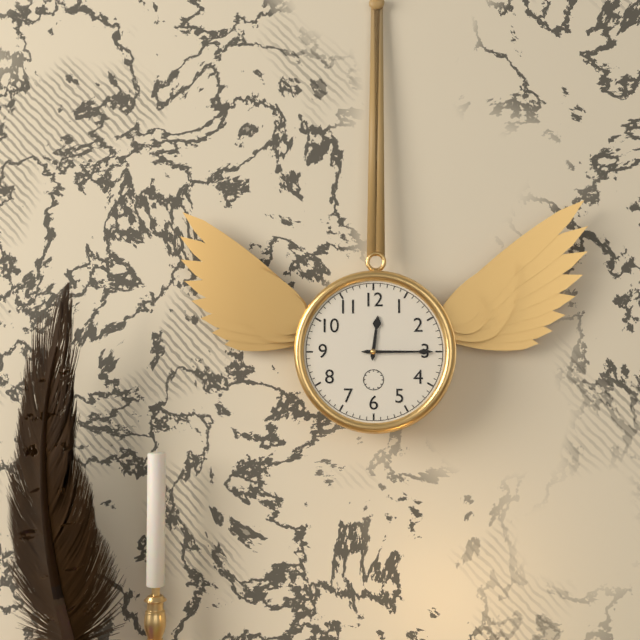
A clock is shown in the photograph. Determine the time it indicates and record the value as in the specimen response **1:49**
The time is **12:15**
